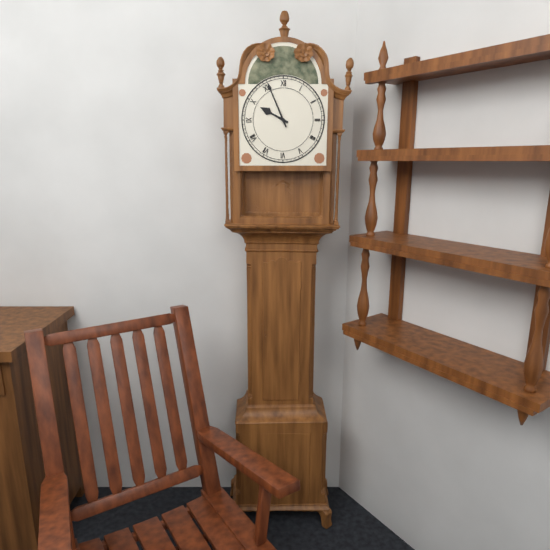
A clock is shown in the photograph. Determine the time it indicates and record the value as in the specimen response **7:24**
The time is **9:56**
